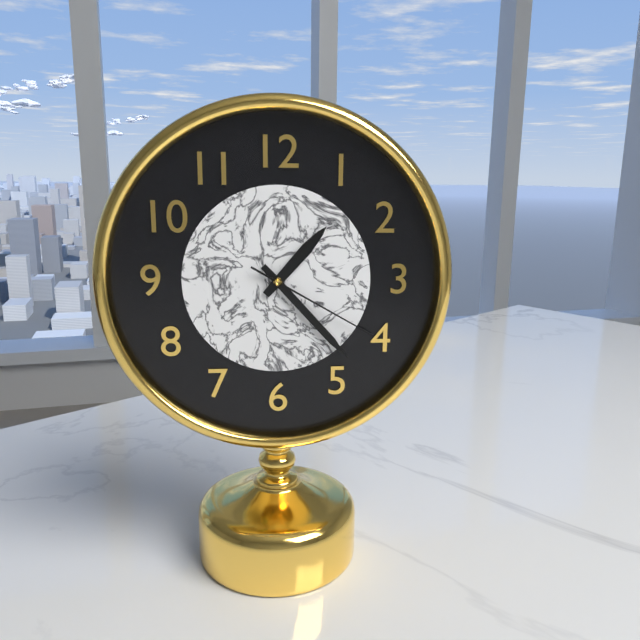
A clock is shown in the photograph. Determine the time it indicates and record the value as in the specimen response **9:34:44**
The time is **1:23:20**
